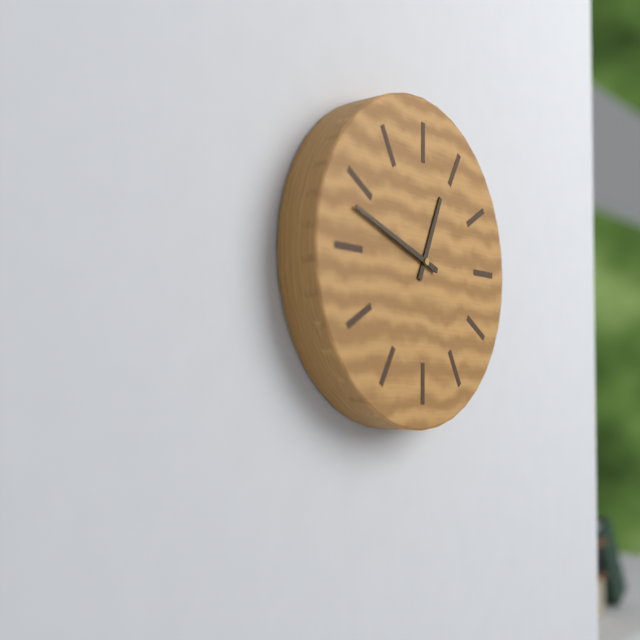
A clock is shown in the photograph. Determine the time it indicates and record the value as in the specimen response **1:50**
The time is **12:48**
